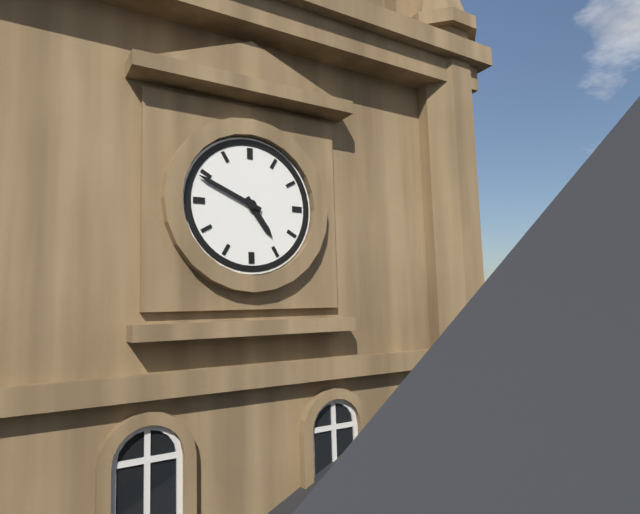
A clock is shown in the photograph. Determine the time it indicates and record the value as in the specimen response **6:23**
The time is **4:49**
